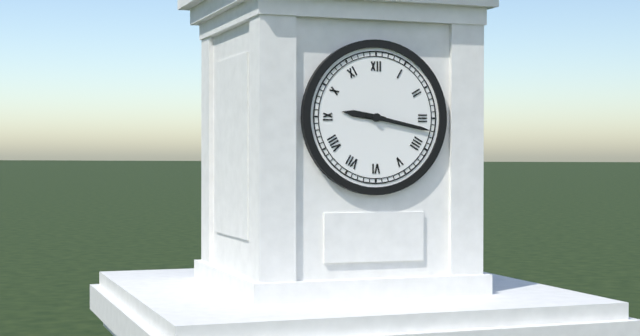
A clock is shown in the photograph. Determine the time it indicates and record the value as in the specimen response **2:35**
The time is **9:17**
